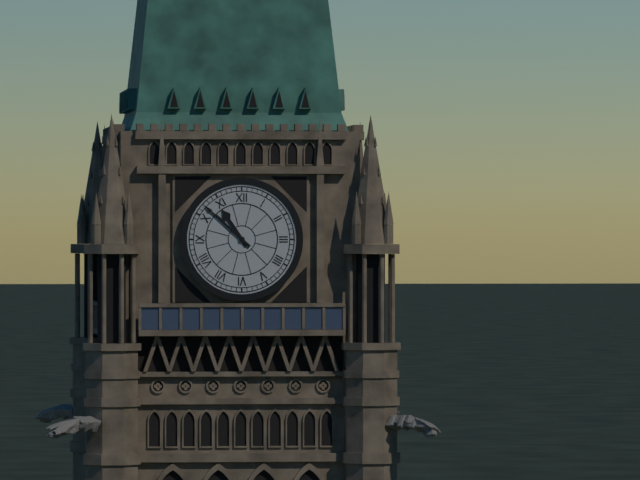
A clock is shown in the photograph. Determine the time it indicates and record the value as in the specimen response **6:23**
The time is **10:52**
